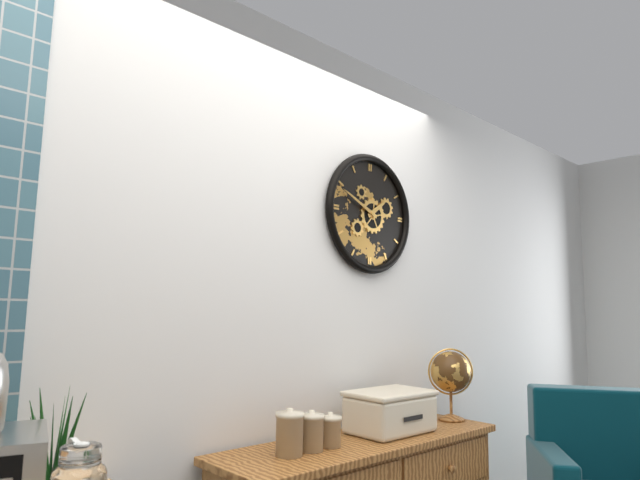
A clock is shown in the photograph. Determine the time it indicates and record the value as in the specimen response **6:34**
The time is **1:49**
